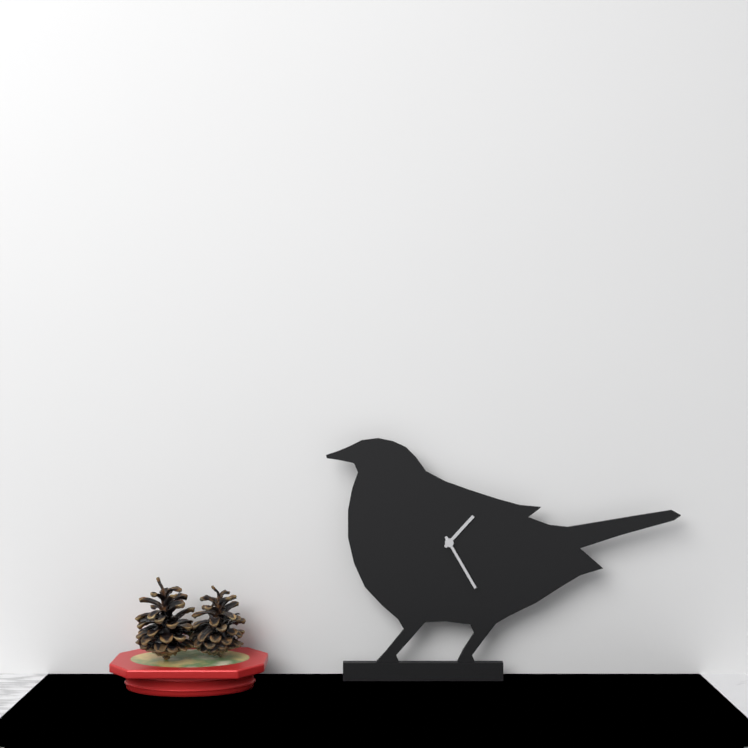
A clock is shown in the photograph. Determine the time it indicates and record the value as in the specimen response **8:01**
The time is **1:25**
